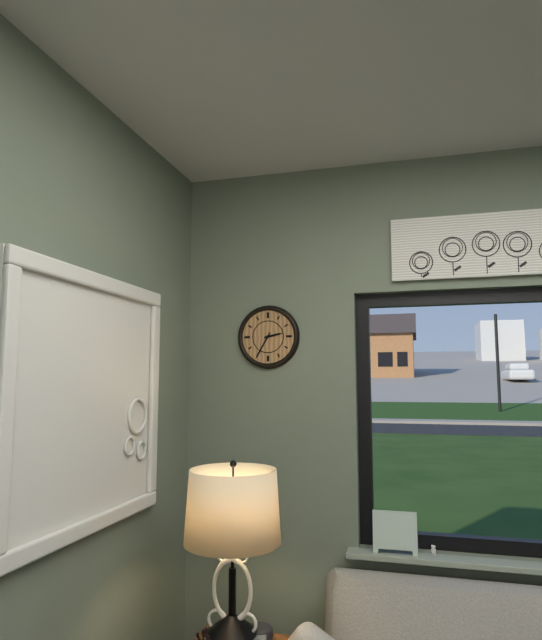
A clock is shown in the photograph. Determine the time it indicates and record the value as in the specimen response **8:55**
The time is **2:35**
